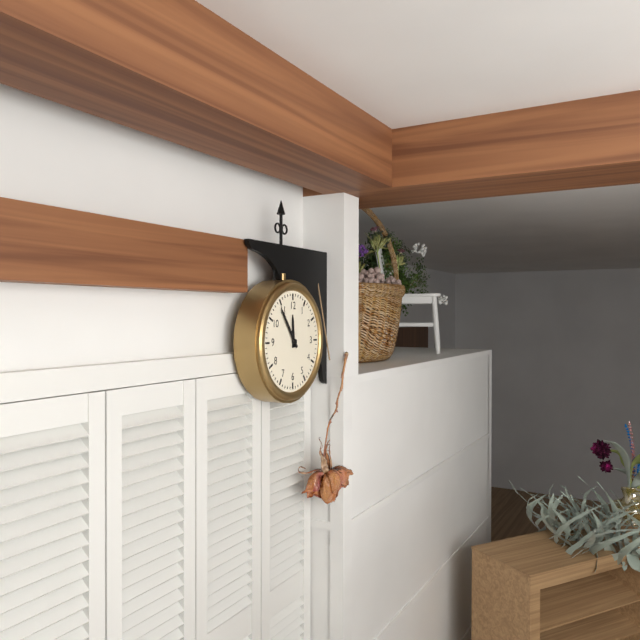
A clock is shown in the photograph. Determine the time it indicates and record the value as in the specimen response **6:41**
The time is **11:54**
